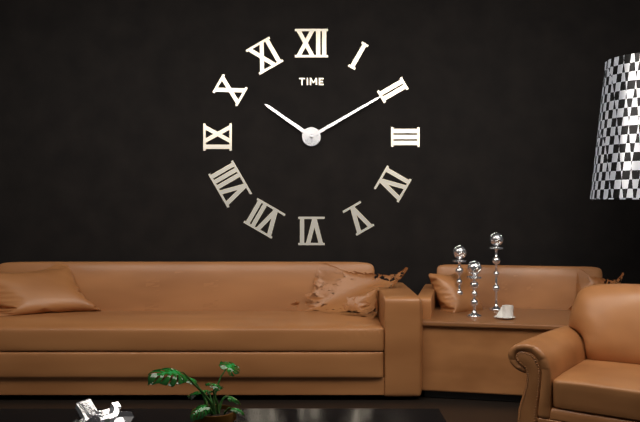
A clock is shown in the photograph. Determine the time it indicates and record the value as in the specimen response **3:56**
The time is **10:10**
